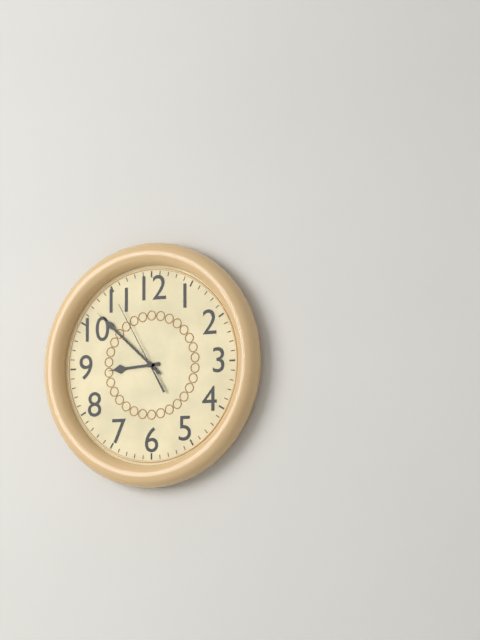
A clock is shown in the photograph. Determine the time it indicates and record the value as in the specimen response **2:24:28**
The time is **8:52:55**
